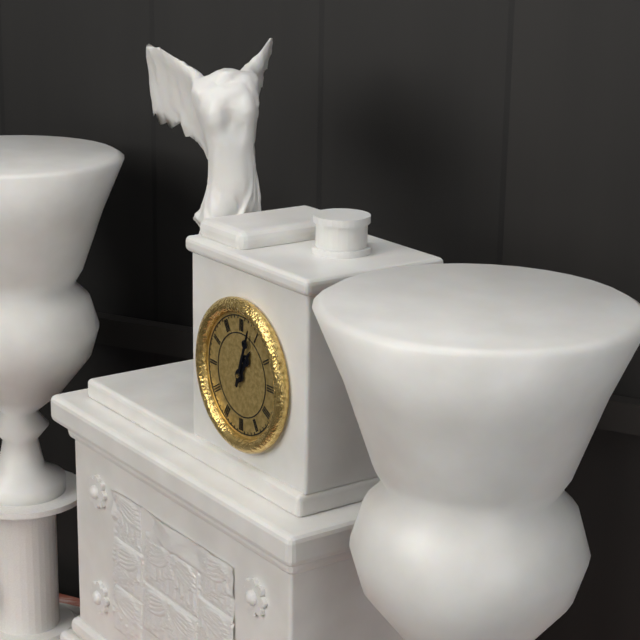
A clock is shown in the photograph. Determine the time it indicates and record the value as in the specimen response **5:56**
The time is **1:03**
